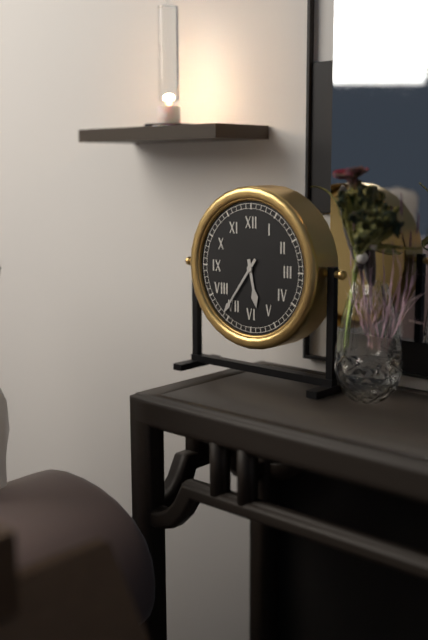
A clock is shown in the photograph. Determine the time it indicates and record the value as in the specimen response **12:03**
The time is **5:36**
